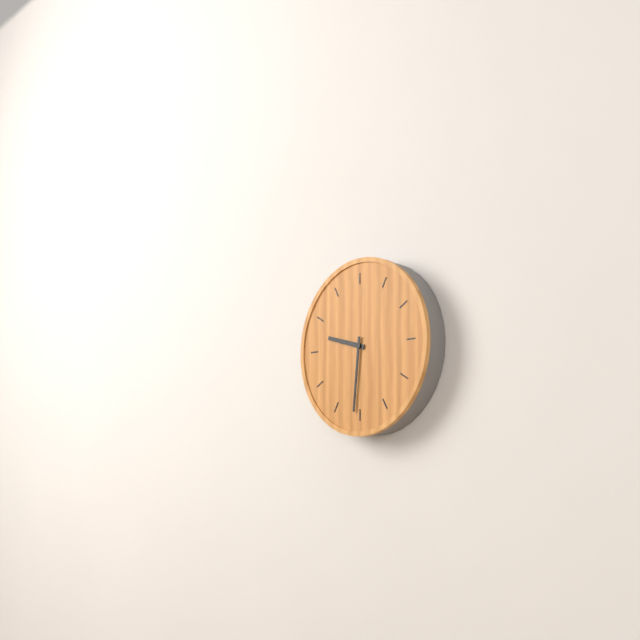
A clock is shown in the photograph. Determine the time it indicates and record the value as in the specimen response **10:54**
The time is **9:31**
